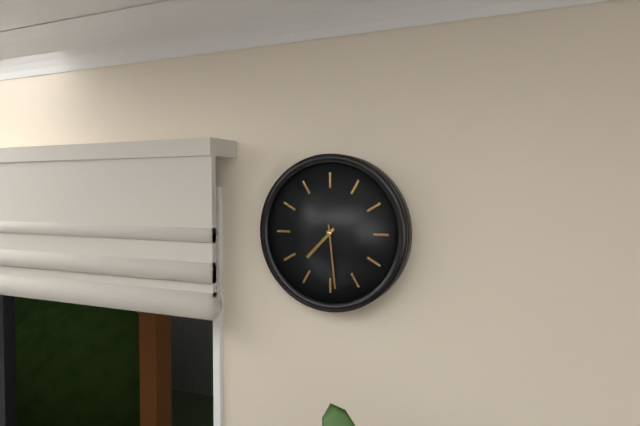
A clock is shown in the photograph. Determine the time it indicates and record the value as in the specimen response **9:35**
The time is **7:29**
